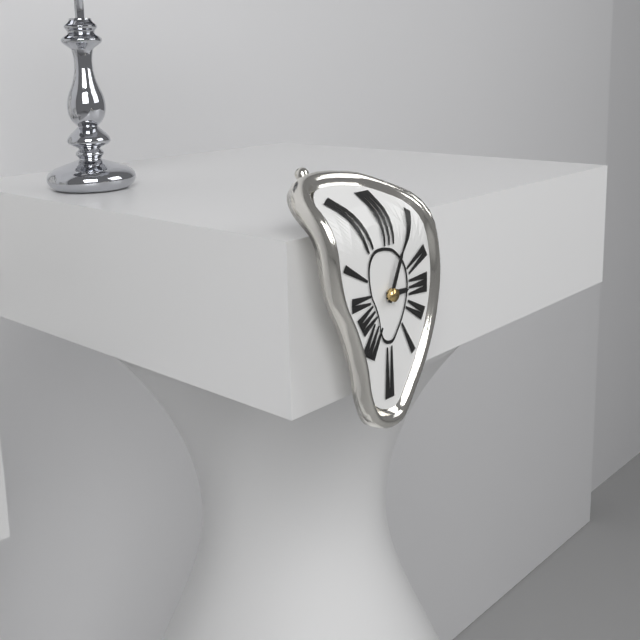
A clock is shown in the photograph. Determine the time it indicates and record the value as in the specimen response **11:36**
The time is **3:04**
